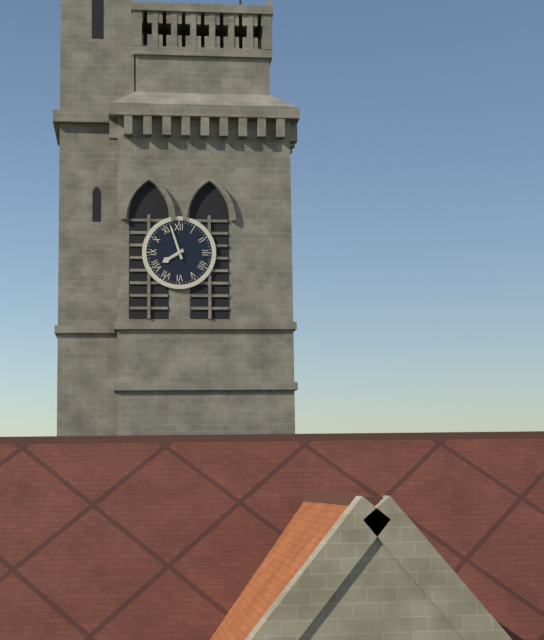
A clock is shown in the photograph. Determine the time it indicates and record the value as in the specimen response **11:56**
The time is **7:57**
